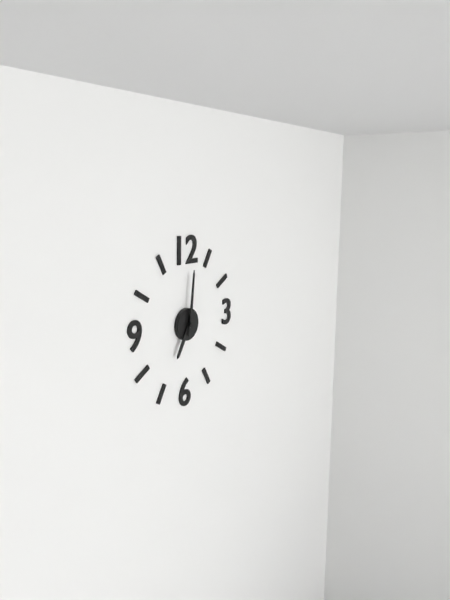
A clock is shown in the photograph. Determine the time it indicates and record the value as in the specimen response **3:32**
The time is **7:01**
